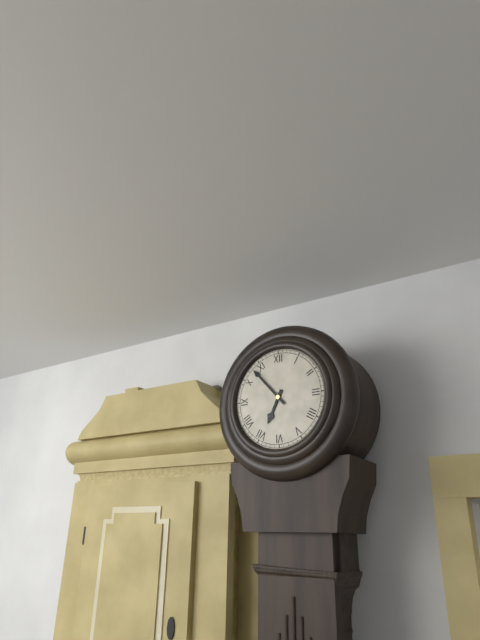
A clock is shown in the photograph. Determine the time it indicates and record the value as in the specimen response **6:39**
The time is **6:53**
